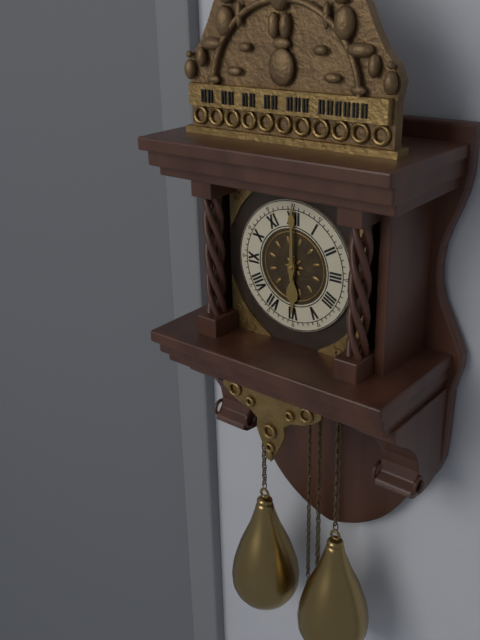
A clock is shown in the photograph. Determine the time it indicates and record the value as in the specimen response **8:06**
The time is **6:00**
